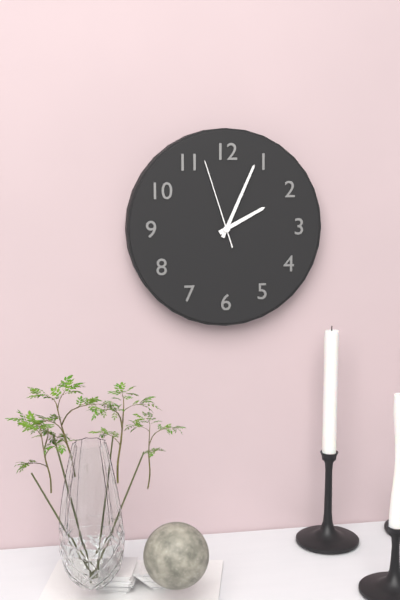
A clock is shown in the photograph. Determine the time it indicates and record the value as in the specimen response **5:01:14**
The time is **2:04:57**
